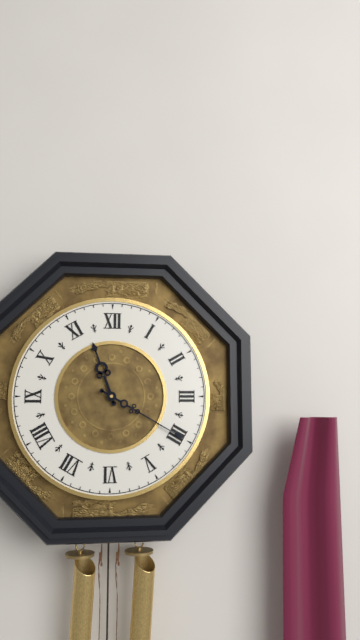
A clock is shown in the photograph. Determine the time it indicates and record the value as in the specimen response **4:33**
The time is **11:20**
